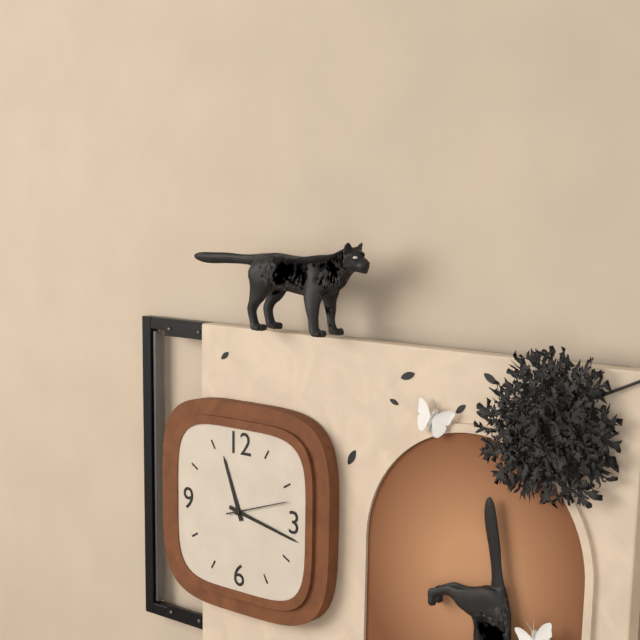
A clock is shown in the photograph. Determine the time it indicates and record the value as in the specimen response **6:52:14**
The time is **11:17:12**
